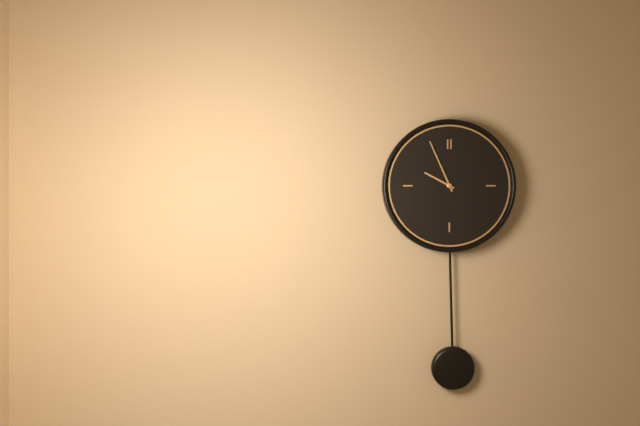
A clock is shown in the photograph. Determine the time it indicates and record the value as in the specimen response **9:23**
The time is **9:56**
